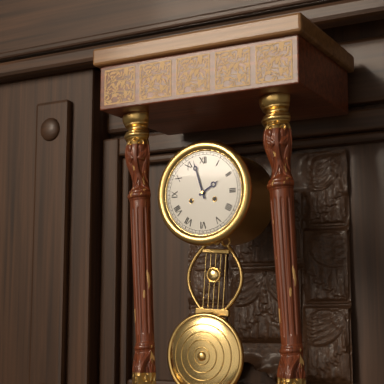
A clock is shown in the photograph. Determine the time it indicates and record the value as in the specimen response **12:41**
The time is **1:57**
